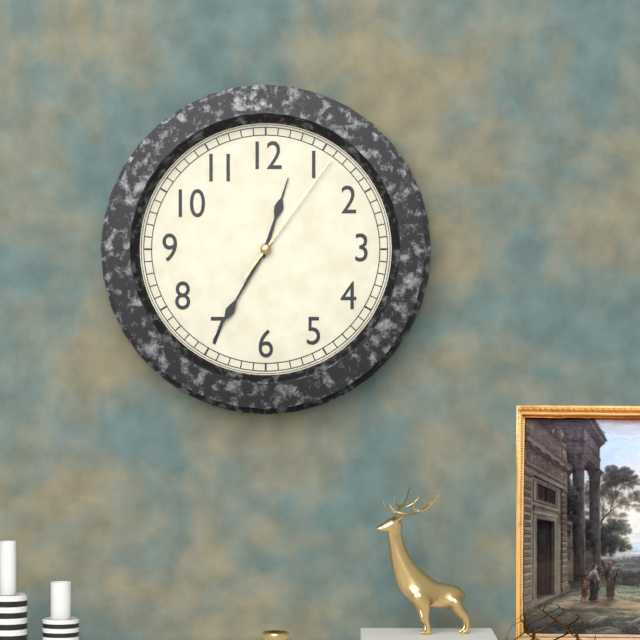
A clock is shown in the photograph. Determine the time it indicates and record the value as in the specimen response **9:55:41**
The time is **12:35:06**
